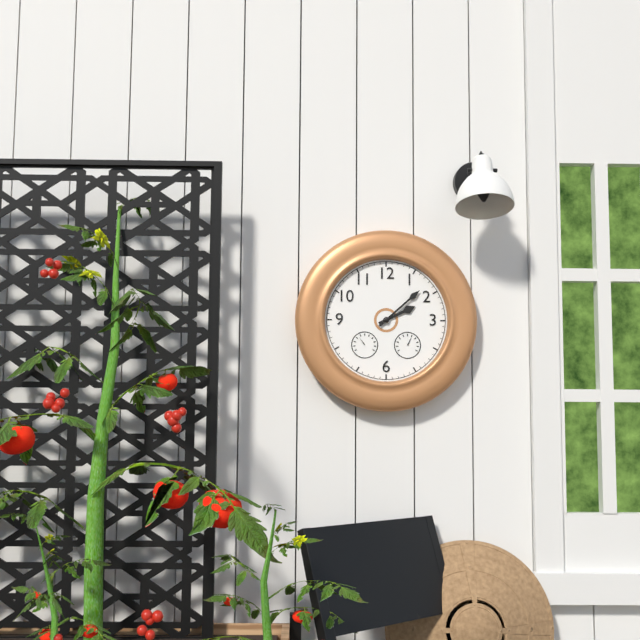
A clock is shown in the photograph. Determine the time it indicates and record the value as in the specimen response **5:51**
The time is **2:08**
